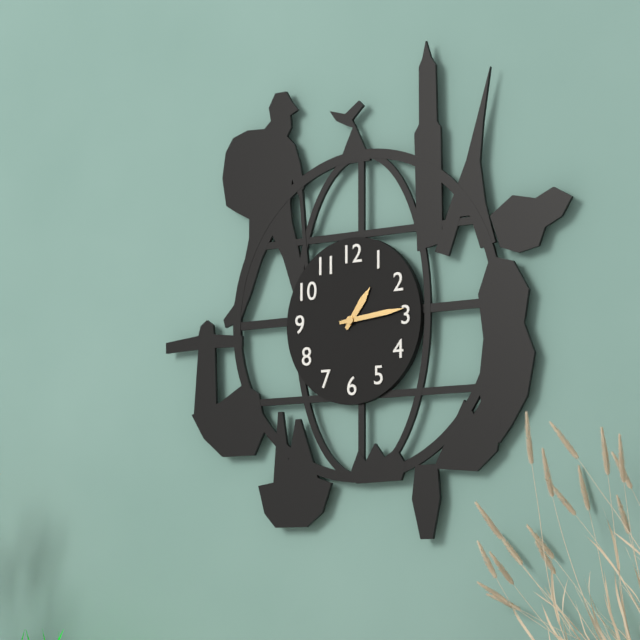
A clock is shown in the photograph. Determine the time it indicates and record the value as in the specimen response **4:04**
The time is **1:14**
